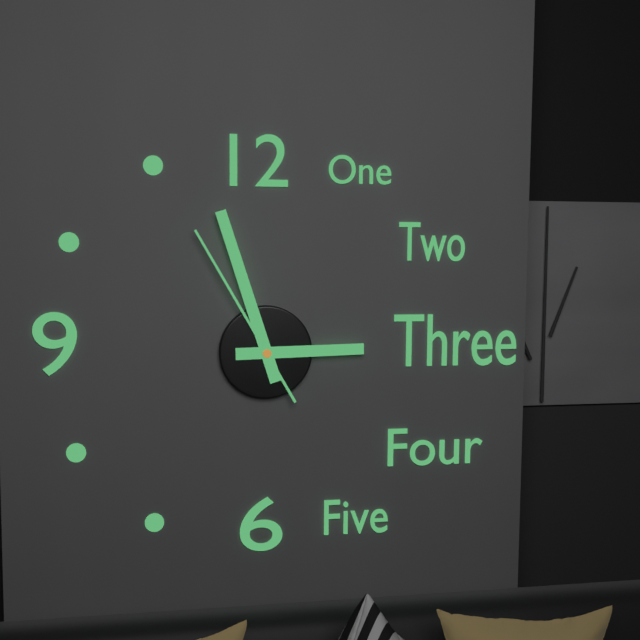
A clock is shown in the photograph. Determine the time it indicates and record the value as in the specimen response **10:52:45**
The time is **2:57:55**
